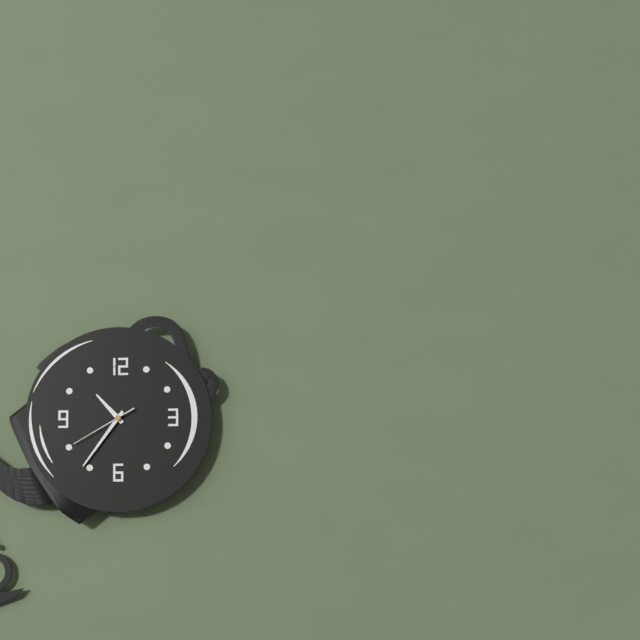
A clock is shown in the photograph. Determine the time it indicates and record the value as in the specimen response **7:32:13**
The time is **10:36:40**
